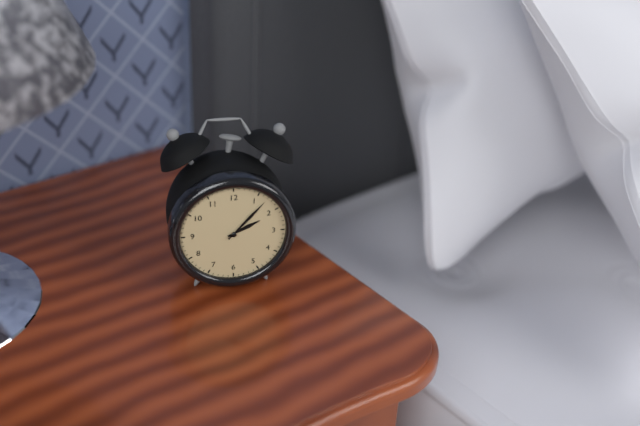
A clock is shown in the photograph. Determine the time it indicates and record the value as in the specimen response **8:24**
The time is **2:07**
